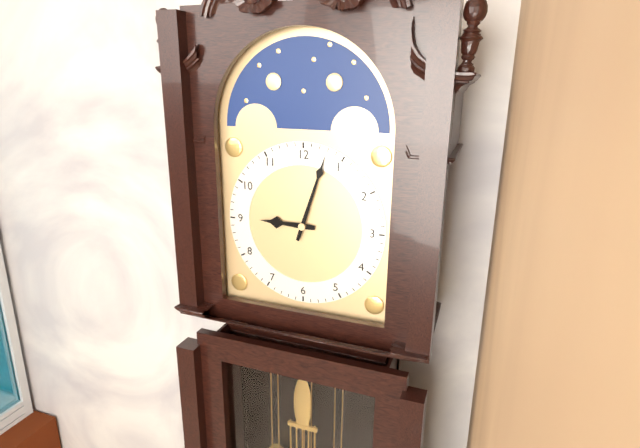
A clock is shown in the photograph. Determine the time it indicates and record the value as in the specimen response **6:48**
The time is **9:03**
